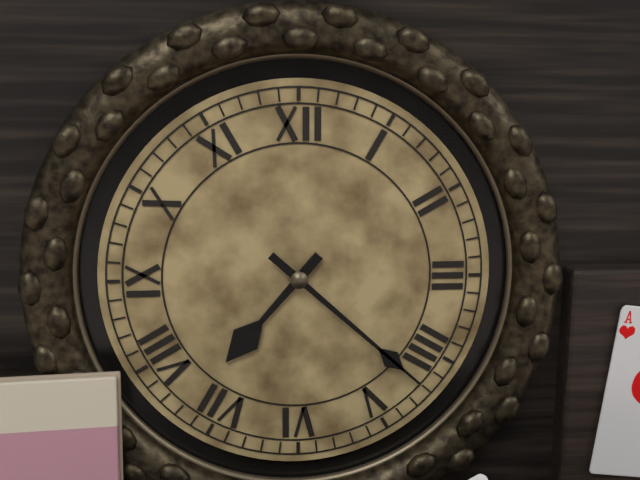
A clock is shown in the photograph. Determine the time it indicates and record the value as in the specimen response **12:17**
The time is **7:22**
